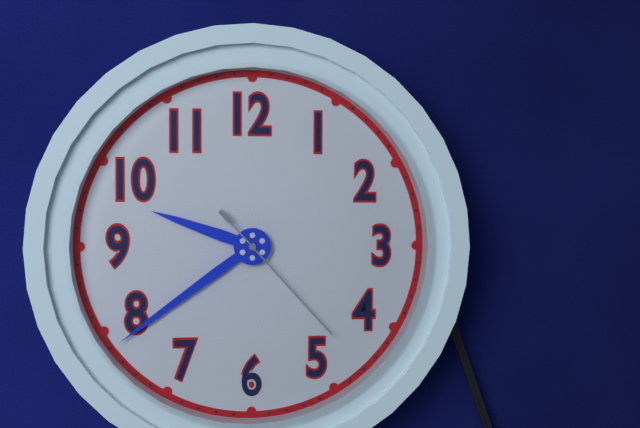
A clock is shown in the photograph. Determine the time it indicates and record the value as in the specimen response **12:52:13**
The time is **9:39:23**
